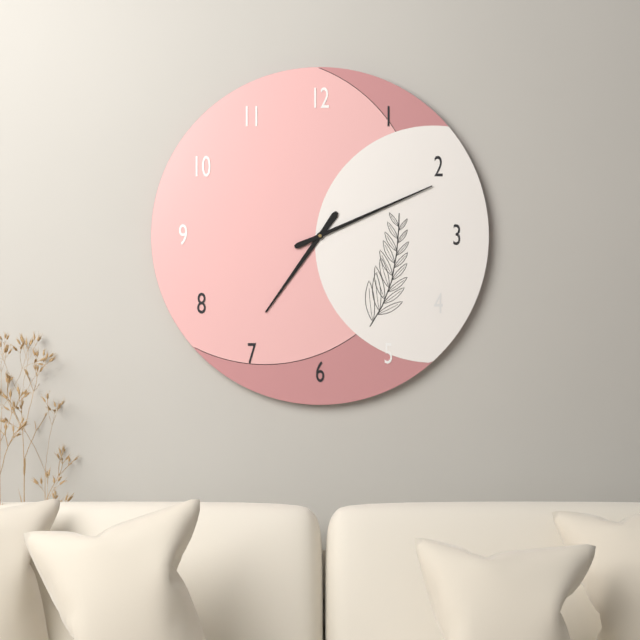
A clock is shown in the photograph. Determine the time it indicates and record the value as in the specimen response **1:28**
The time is **7:11**
